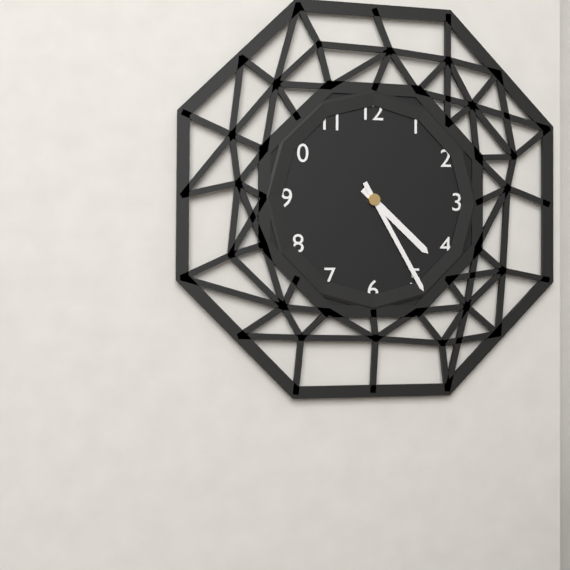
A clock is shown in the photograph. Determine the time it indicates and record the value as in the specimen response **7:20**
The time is **4:25**
